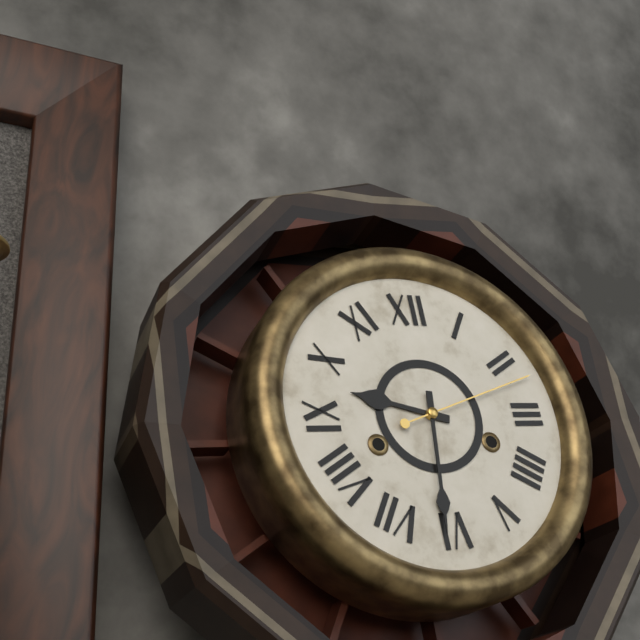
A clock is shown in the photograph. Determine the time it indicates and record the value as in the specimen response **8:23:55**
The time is **9:31:12**
